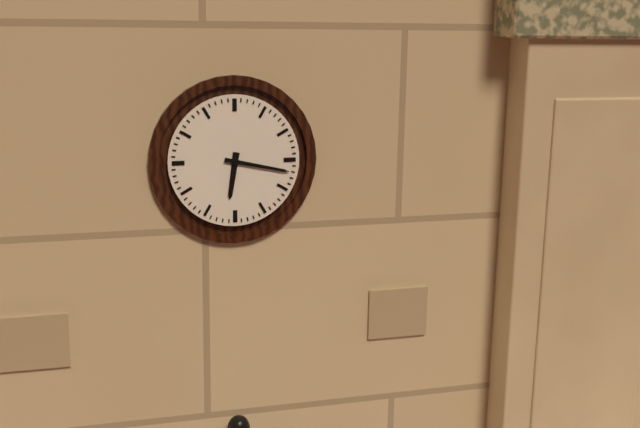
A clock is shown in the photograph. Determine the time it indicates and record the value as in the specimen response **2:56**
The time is **6:17**
